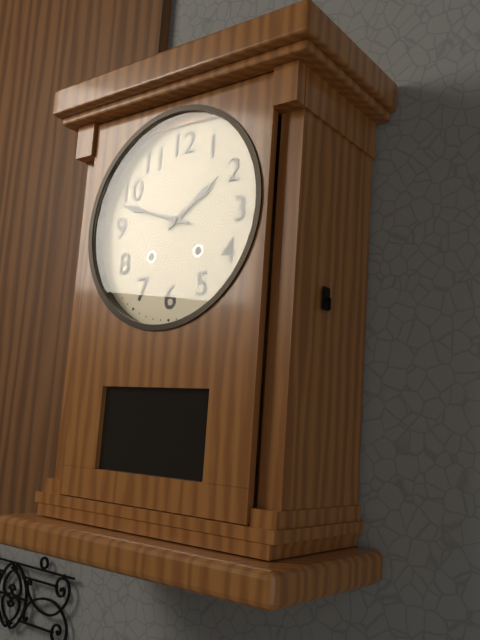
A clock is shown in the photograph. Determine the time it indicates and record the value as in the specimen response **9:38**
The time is **1:48**
